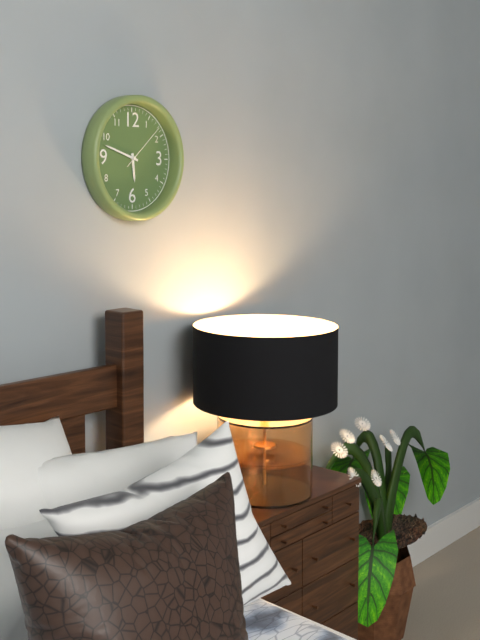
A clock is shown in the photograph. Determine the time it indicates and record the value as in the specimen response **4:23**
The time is **5:48**
